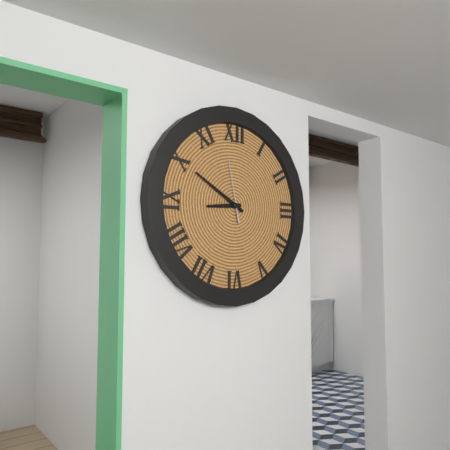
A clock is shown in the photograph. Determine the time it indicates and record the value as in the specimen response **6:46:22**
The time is **8:50:58**
